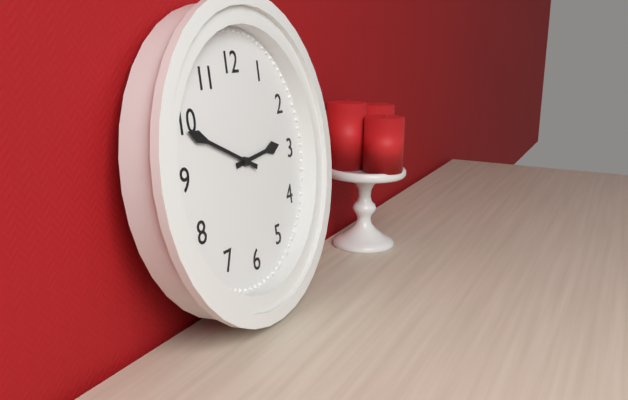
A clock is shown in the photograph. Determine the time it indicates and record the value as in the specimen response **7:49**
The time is **2:49**
